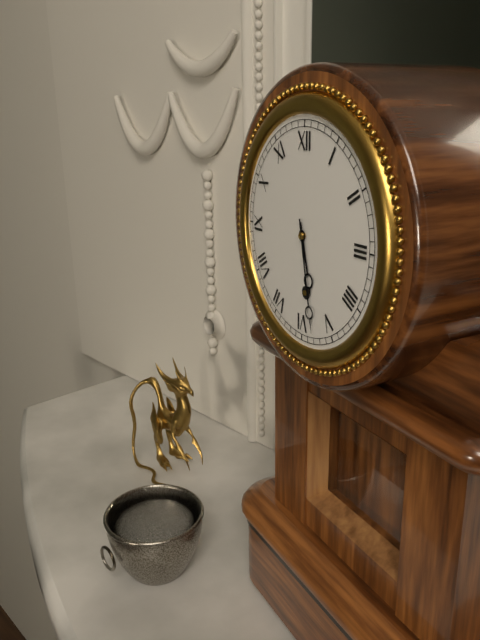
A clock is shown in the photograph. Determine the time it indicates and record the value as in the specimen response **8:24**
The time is **5:28**
